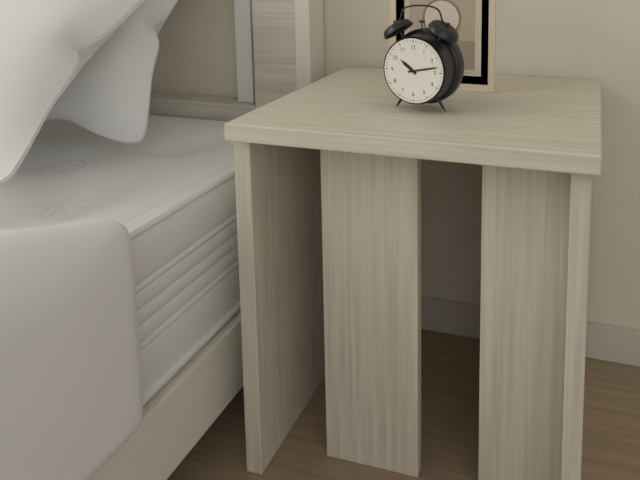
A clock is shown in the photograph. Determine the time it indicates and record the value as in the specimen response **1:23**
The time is **10:13**
